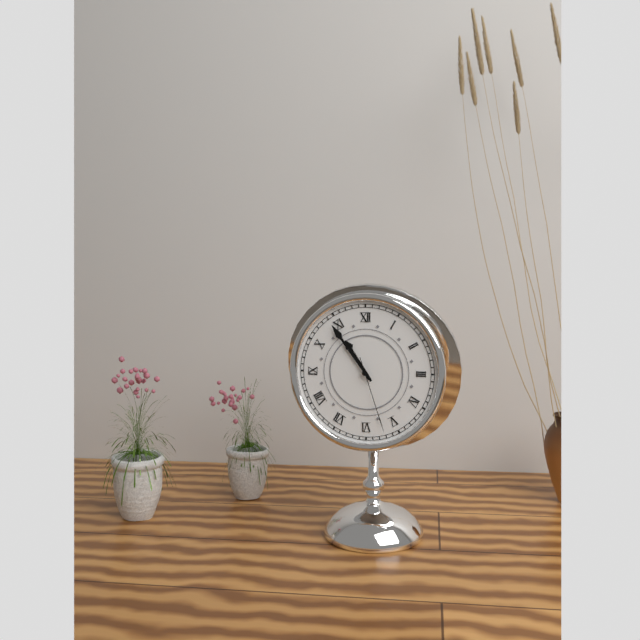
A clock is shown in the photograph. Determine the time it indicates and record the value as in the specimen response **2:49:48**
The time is **10:54:27**
